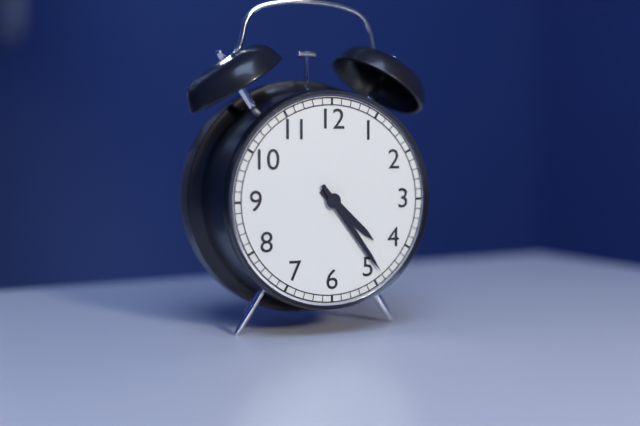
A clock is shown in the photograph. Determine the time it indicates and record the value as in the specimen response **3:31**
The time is **4:24**
